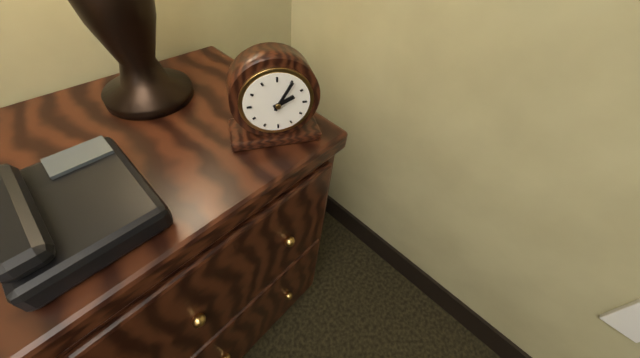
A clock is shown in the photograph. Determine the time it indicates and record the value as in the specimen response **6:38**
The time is **2:05**
